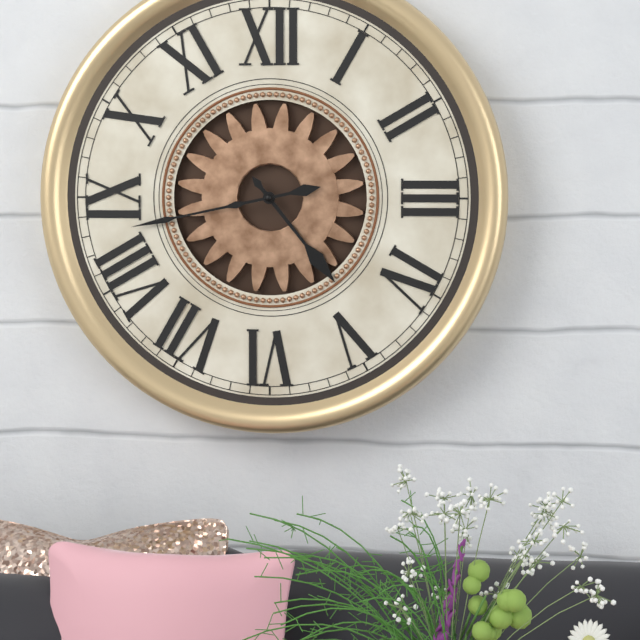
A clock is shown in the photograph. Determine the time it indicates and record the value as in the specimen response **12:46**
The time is **4:43**
